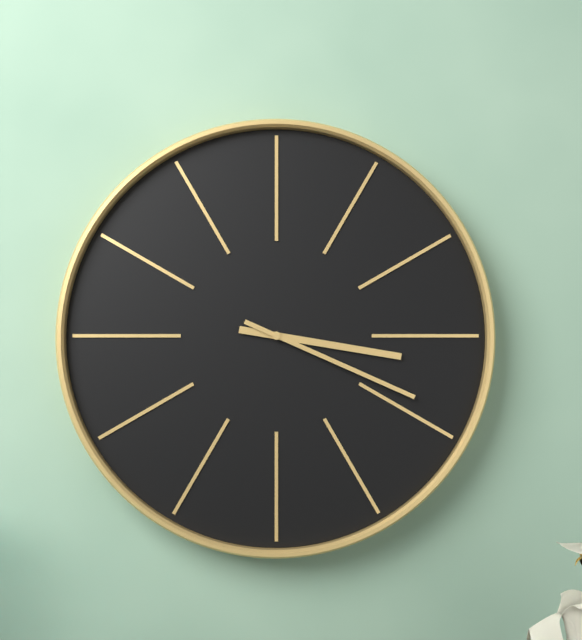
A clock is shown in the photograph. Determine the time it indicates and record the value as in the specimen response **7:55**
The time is **3:19**
